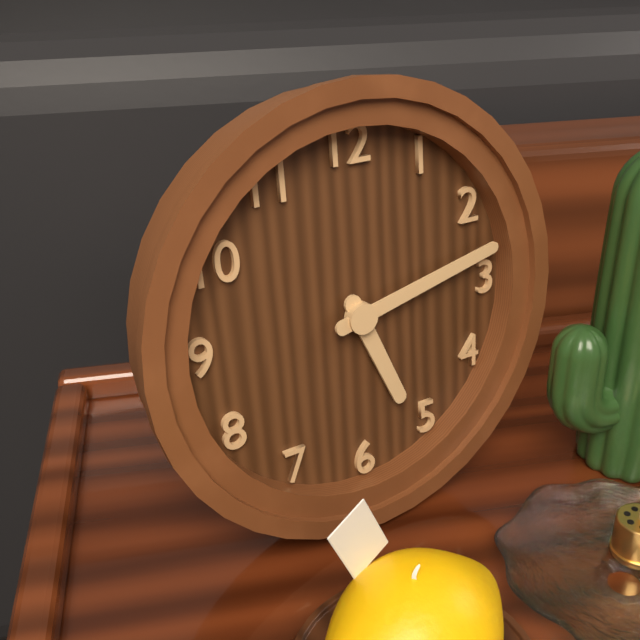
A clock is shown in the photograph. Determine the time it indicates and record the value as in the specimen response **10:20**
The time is **5:13**
